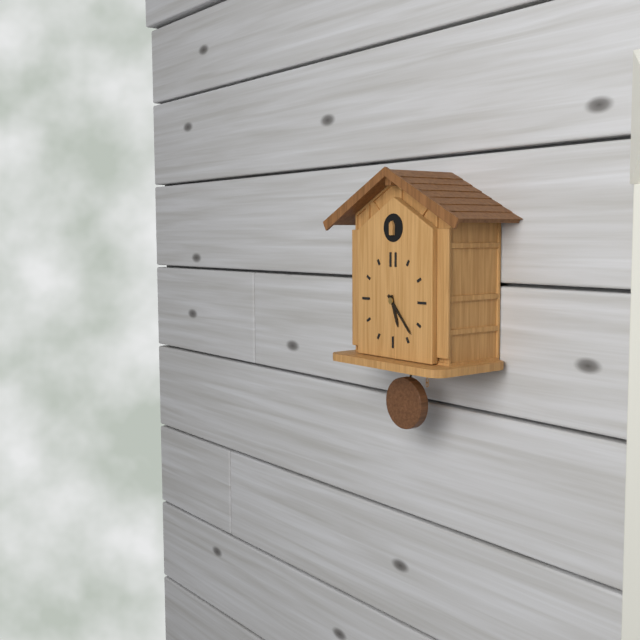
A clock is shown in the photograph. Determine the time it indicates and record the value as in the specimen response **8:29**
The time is **5:23**
